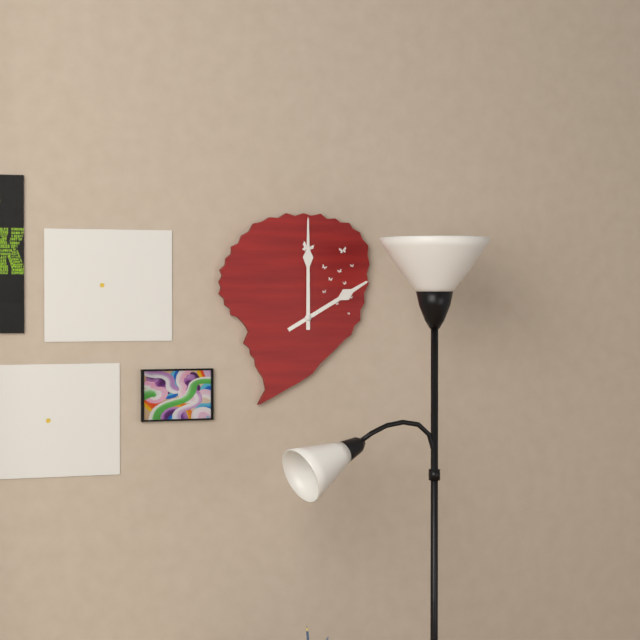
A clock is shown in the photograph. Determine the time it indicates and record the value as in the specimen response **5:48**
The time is **2:00**
